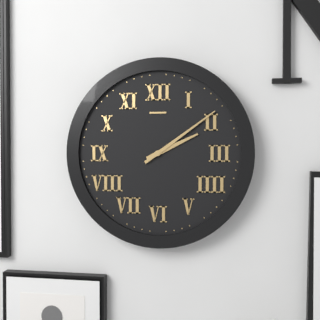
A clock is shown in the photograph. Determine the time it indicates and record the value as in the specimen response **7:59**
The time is **2:09**
